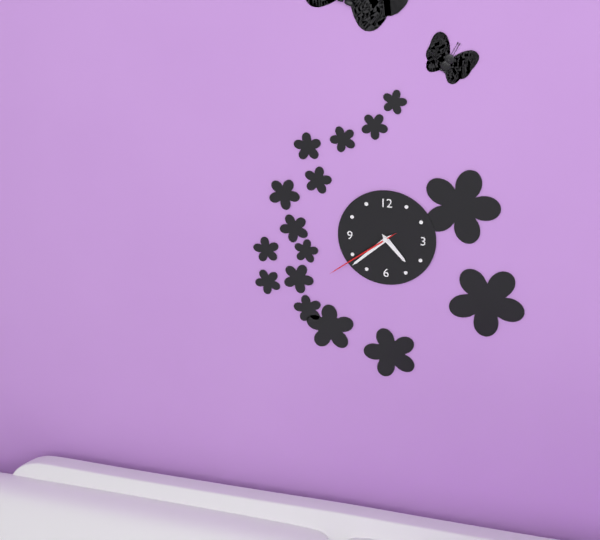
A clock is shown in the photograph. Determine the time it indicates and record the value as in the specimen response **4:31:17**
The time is **4:38:39**
